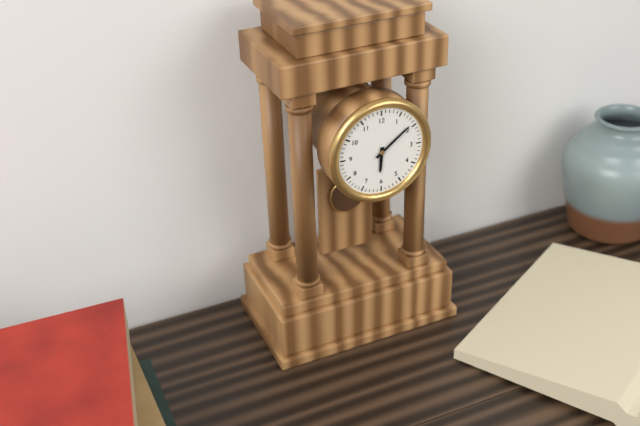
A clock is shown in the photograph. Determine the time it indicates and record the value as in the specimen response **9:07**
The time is **6:09**
